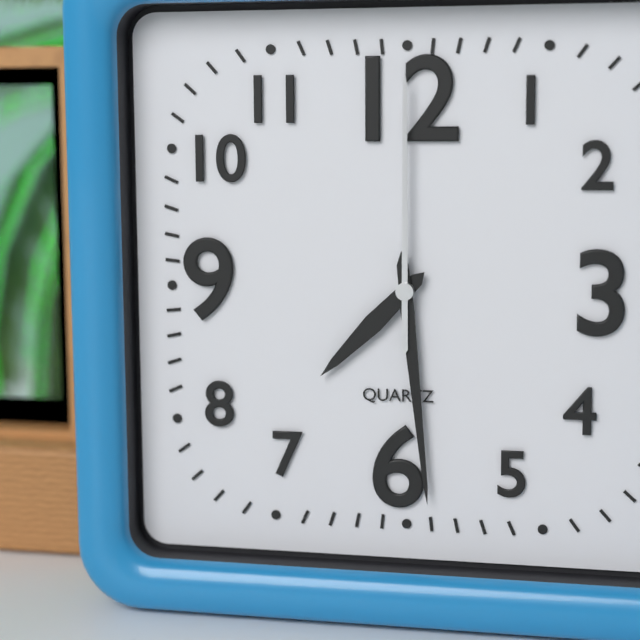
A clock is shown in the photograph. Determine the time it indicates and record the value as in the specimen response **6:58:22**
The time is **7:29:00**
